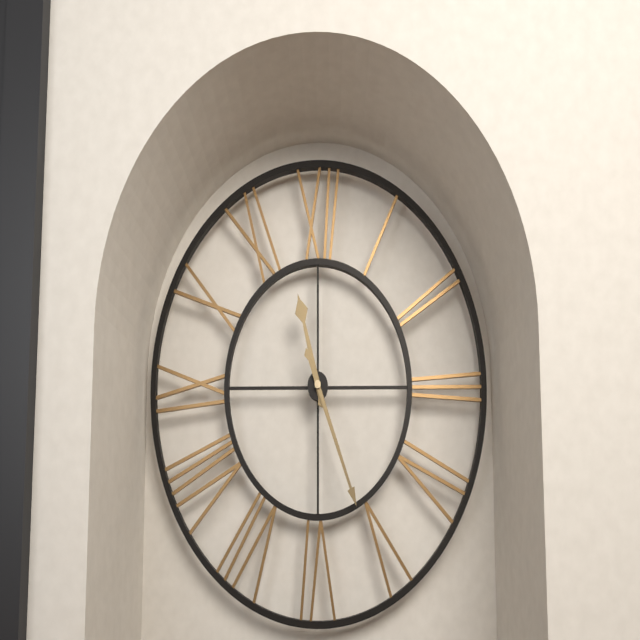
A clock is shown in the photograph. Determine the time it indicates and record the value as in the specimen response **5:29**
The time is **11:26**
